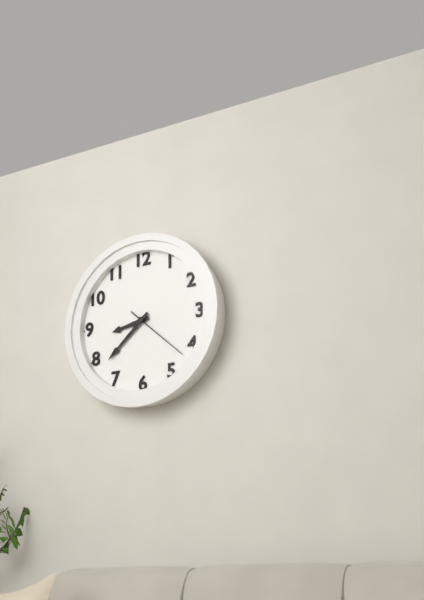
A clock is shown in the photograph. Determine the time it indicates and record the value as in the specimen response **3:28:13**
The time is **8:38:22**
